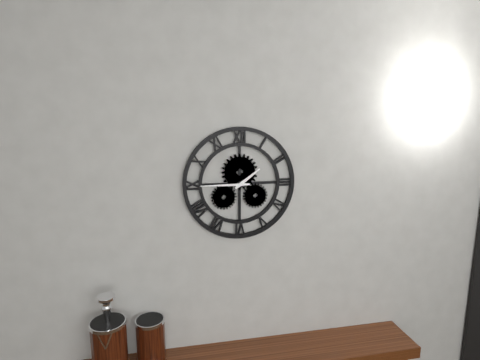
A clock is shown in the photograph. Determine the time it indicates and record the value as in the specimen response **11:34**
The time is **1:45**
